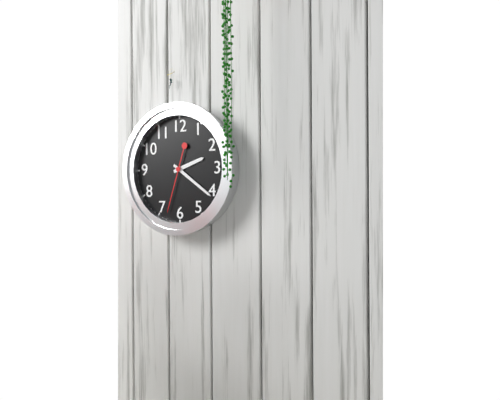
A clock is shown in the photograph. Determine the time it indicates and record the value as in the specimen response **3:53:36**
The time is **2:21:33**
